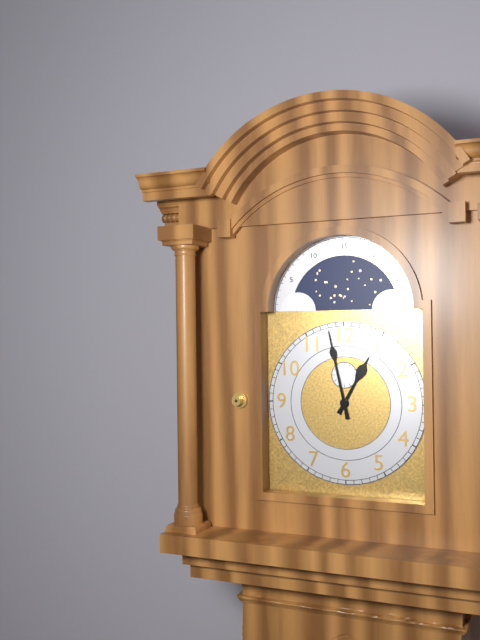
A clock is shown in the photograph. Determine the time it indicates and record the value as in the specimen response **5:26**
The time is **12:58**
